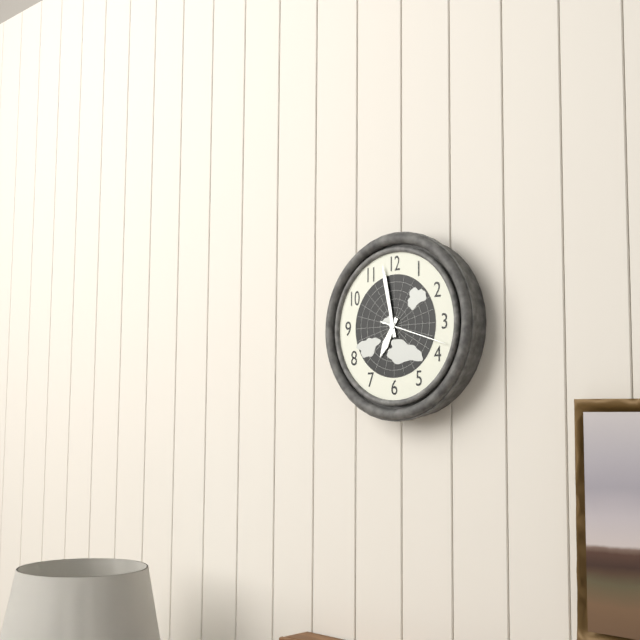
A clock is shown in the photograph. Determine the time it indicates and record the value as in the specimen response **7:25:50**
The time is **6:58:18**
